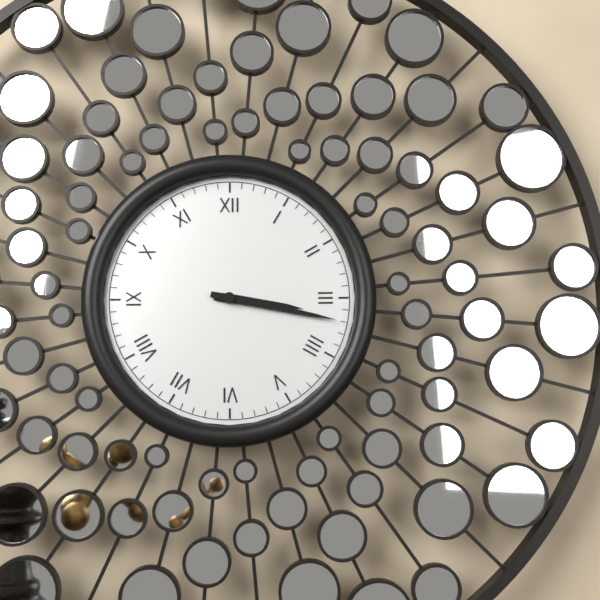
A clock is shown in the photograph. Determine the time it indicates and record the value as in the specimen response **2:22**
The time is **3:17**
